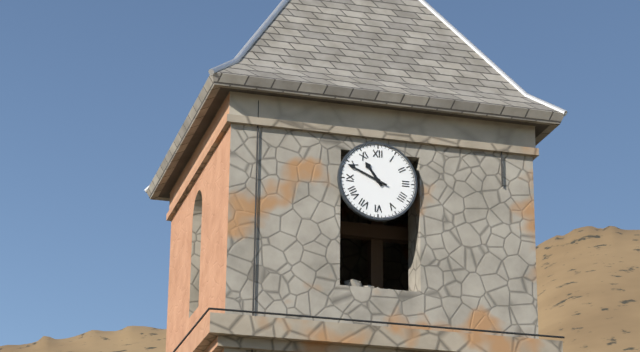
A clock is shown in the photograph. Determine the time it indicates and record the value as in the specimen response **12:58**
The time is **10:49**
